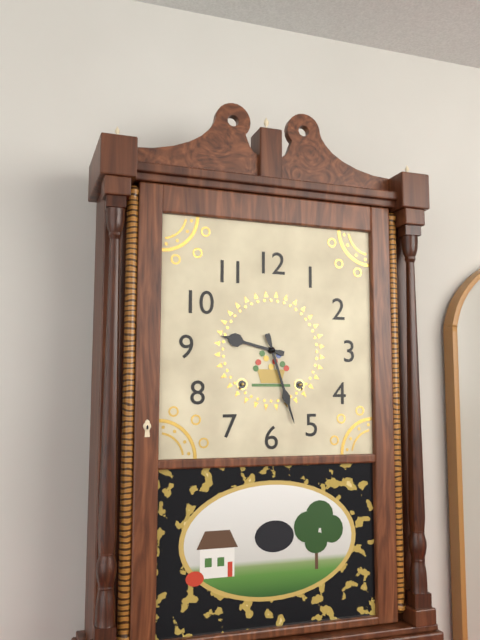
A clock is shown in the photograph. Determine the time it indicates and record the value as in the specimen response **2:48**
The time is **9:27**
